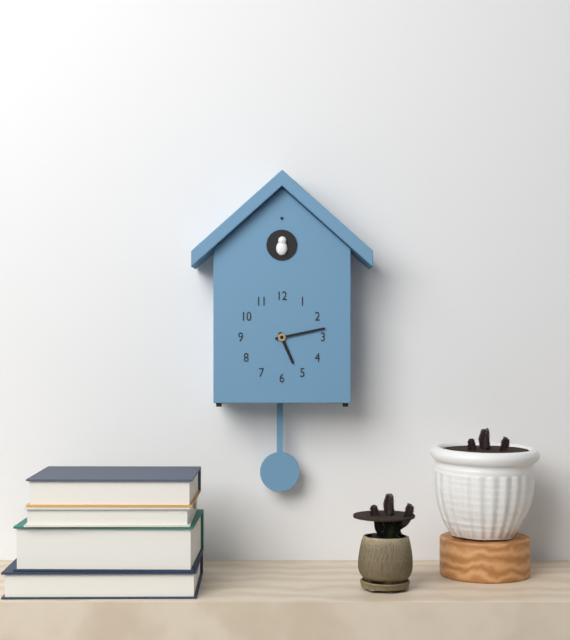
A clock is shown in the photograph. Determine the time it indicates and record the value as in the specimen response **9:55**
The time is **5:13**
